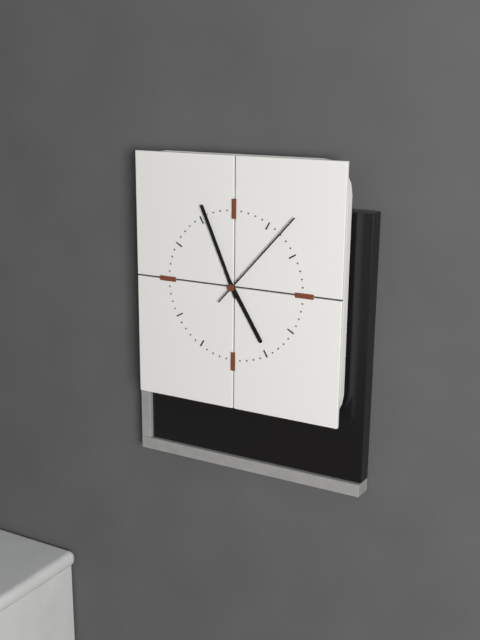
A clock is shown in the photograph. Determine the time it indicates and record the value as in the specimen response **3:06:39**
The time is **4:56:07**
